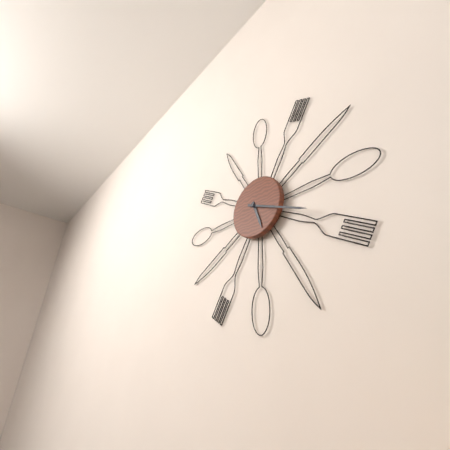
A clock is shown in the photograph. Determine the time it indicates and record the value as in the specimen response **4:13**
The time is **5:19**
